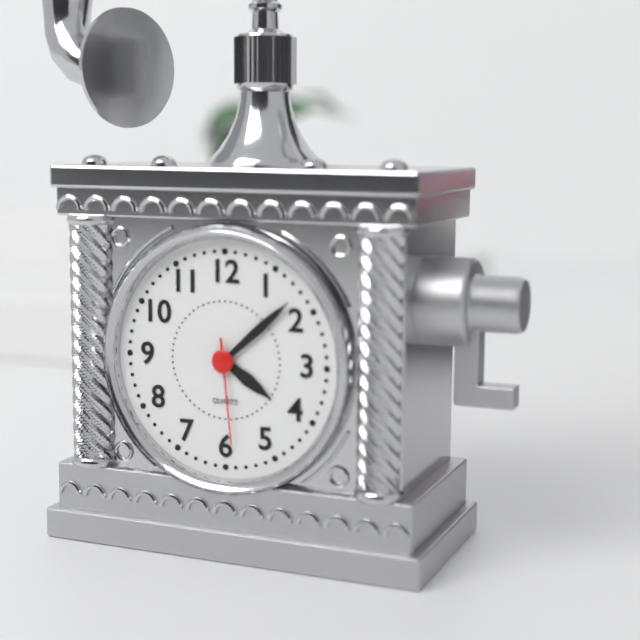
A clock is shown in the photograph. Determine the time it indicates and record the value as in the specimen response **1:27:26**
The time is **4:08:29**
